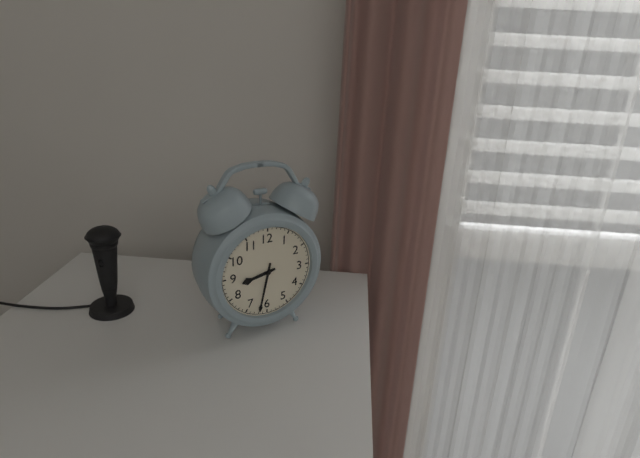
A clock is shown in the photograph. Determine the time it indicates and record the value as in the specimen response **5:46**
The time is **8:32**
